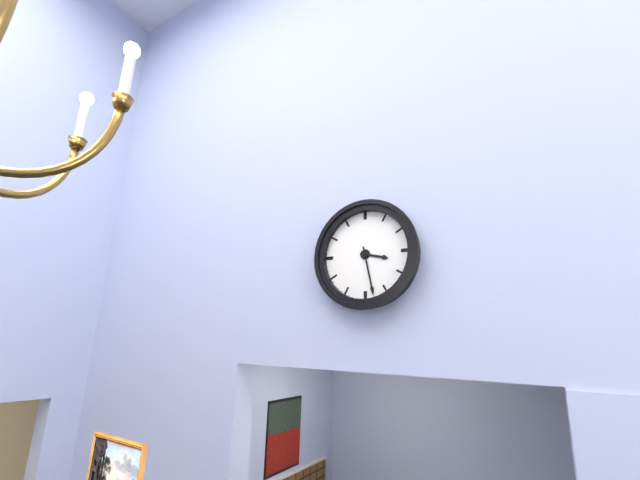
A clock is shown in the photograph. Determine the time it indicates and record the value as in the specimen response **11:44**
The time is **3:28**
